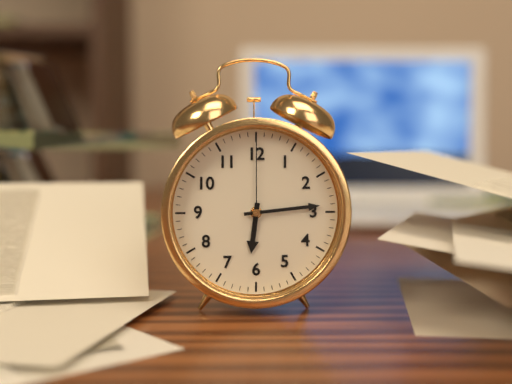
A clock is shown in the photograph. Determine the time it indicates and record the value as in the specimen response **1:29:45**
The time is **6:14:00**
